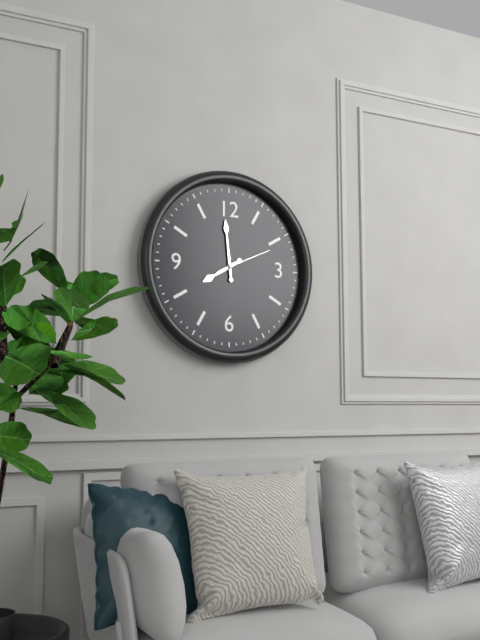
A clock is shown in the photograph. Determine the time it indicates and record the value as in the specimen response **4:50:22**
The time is **7:59:11**
